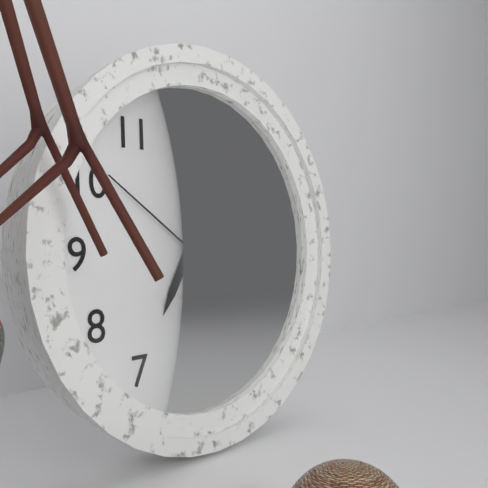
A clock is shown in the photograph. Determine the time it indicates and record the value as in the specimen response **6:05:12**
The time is **7:00:51**
